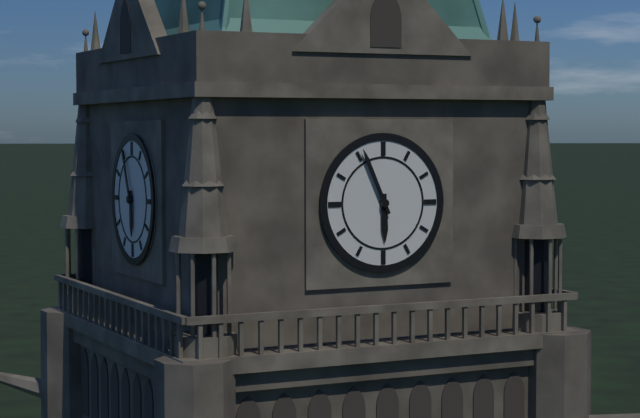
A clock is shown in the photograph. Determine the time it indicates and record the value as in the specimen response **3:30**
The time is **5:56**
